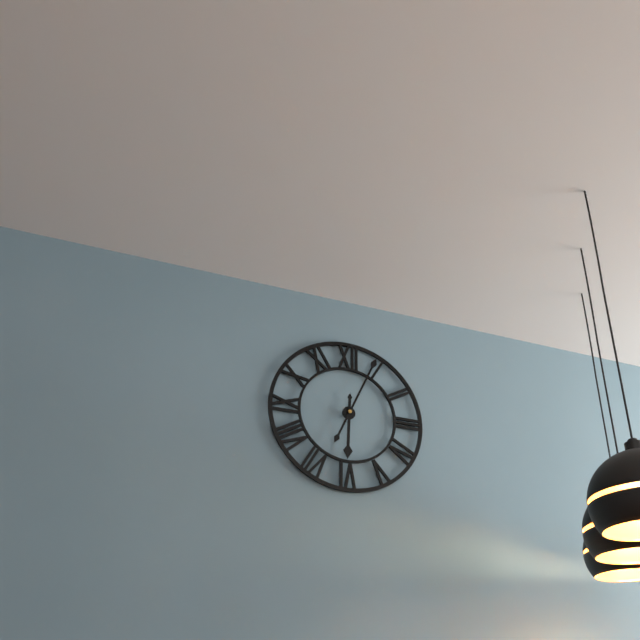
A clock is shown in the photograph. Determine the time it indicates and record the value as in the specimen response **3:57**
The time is **6:04**
